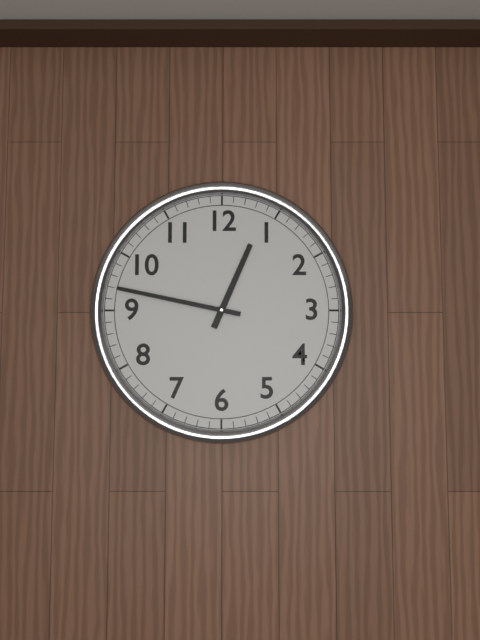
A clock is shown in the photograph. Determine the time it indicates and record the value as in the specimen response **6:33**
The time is **12:47**
